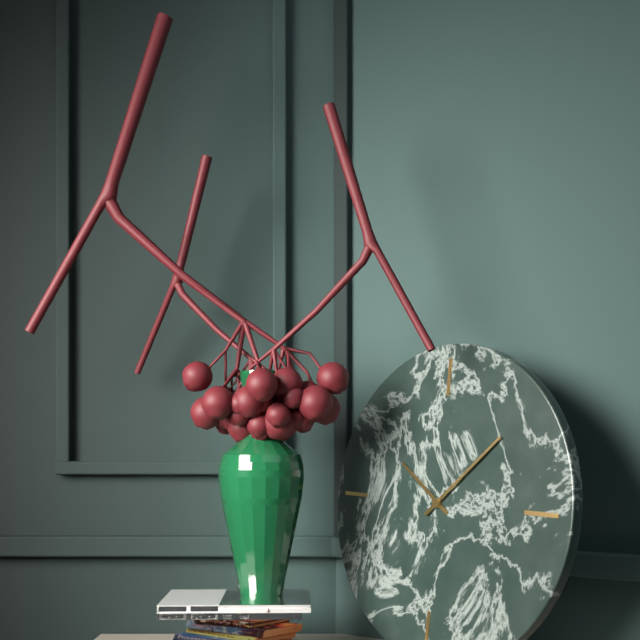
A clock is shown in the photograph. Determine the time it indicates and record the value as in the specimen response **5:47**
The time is **10:08**
